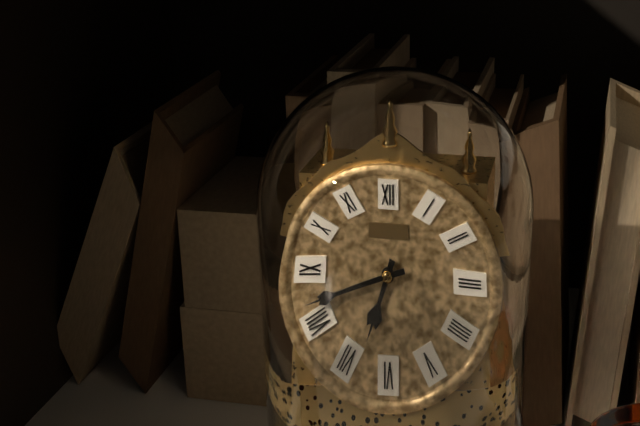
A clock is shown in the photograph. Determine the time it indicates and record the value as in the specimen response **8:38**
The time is **6:42**
